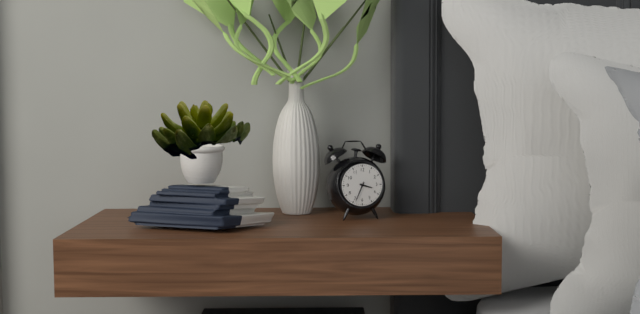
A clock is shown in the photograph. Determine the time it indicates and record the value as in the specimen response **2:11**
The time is **3:34**
